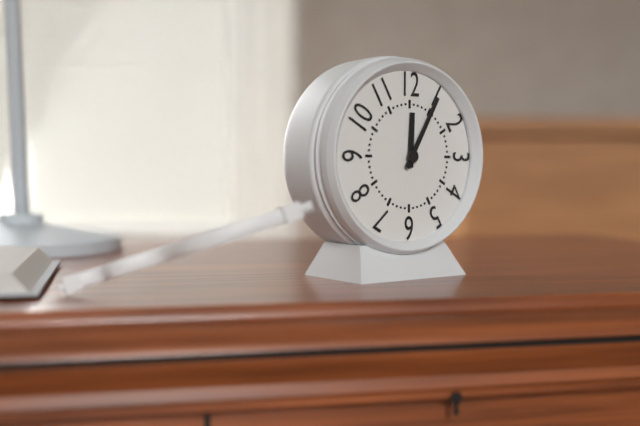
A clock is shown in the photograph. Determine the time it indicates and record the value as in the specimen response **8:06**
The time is **12:05**
